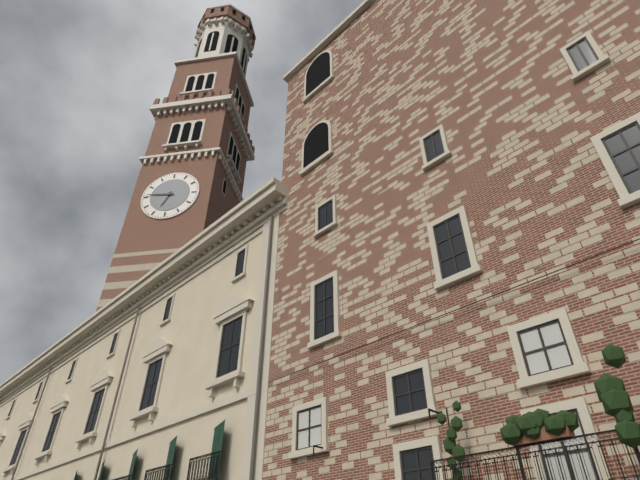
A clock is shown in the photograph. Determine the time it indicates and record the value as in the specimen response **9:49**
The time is **6:46**
